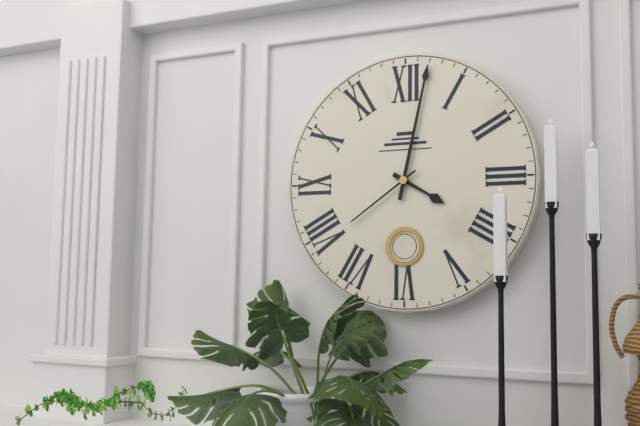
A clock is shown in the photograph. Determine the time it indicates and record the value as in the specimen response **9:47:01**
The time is **4:02:39**
